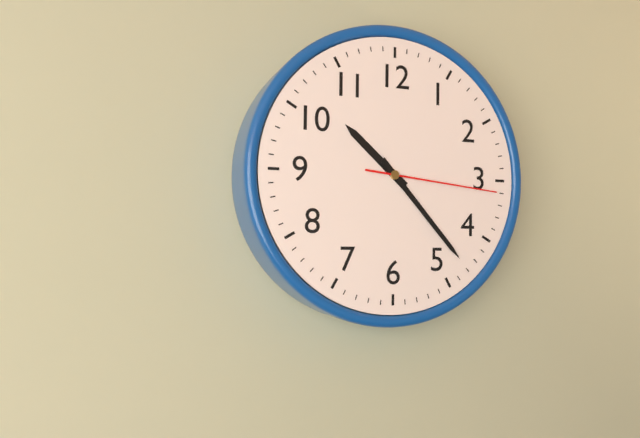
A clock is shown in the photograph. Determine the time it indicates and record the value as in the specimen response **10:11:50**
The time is **10:23:16**
